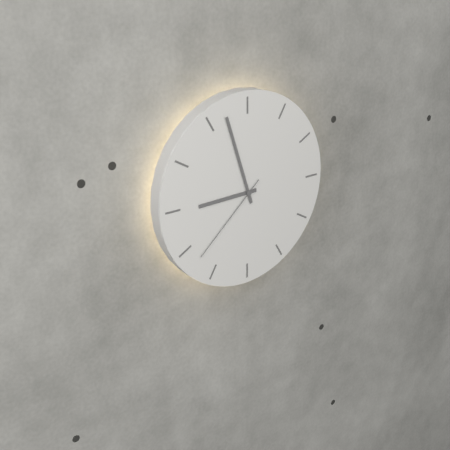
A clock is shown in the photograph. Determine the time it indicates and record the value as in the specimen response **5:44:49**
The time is **8:57:38**
